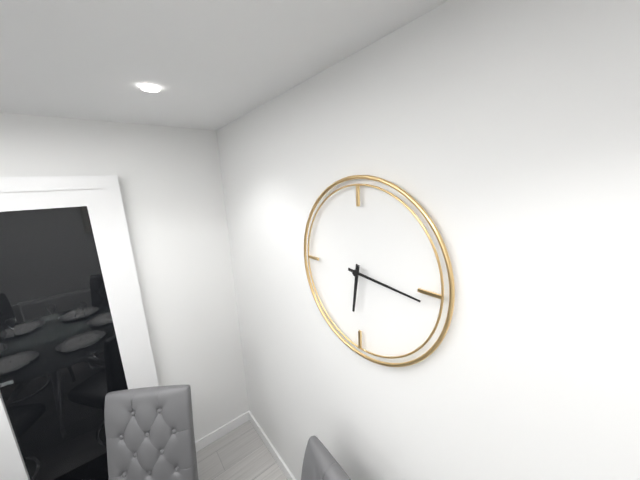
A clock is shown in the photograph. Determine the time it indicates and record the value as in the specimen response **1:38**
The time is **6:16**
